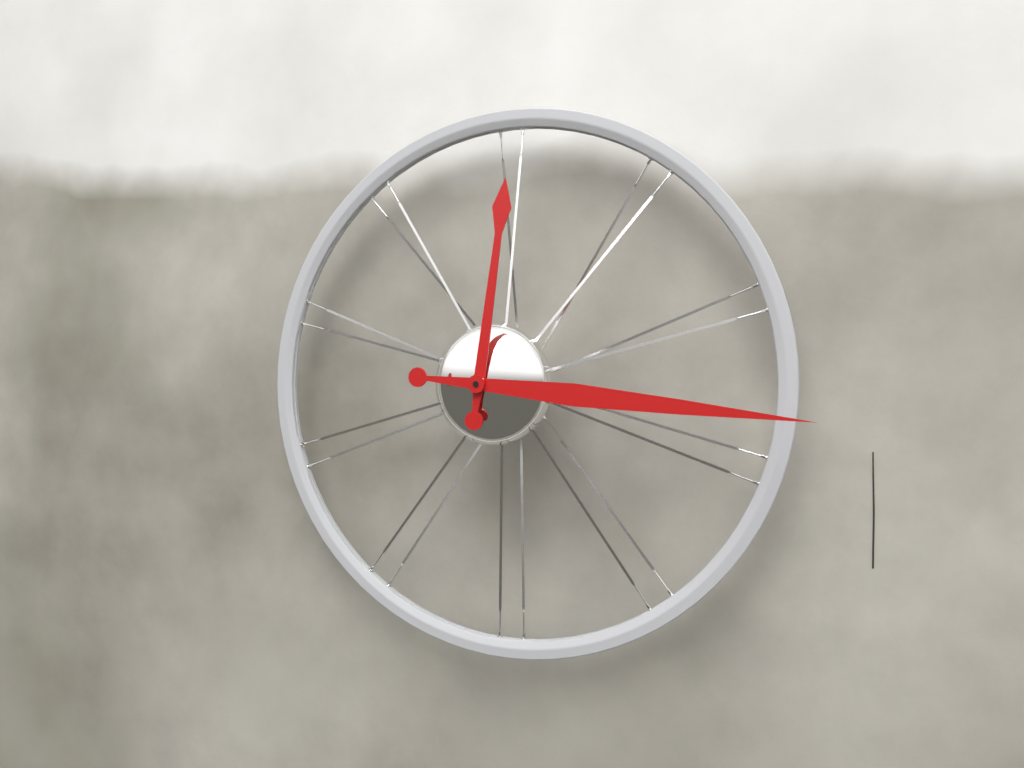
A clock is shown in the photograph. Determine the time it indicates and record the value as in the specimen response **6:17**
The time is **12:16**
